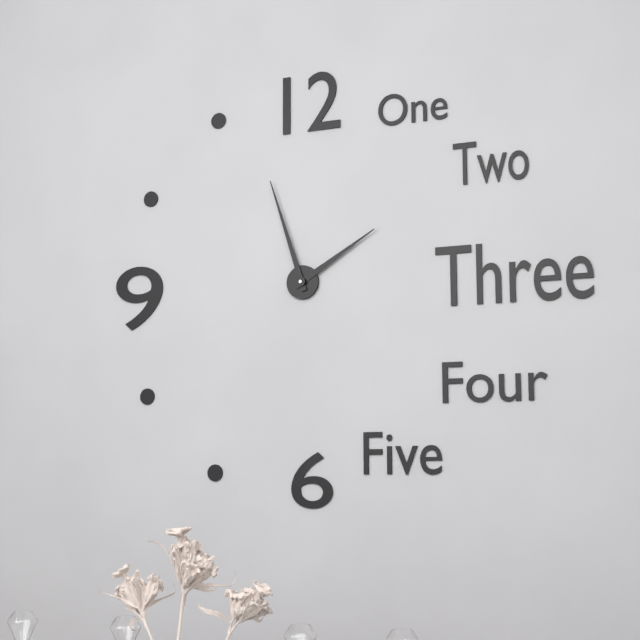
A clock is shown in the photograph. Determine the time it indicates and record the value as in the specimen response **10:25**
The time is **1:57**
